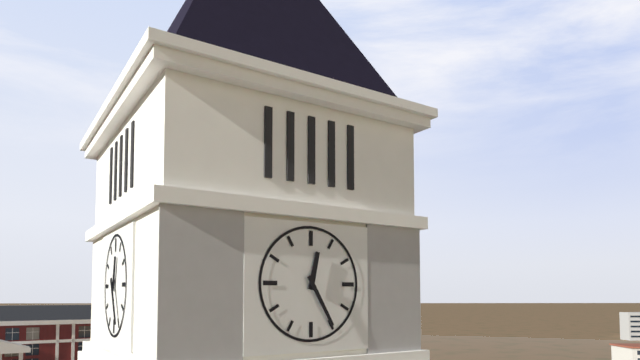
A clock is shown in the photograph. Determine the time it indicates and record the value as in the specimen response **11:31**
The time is **12:25**
